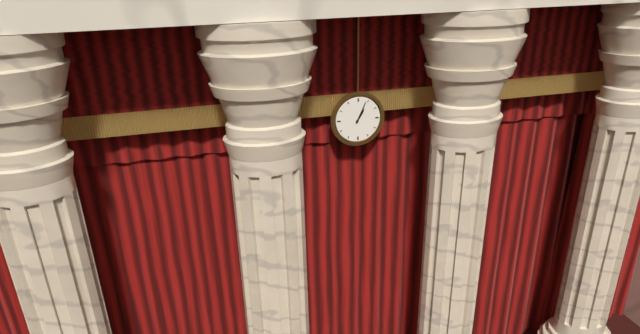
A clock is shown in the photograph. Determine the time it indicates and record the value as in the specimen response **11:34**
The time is **1:04**
